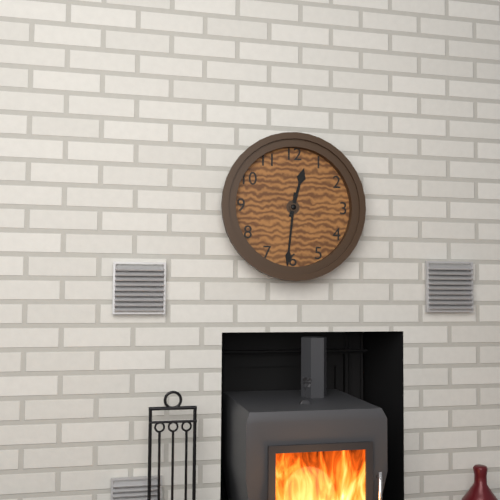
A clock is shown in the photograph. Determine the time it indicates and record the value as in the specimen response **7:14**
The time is **12:31**
